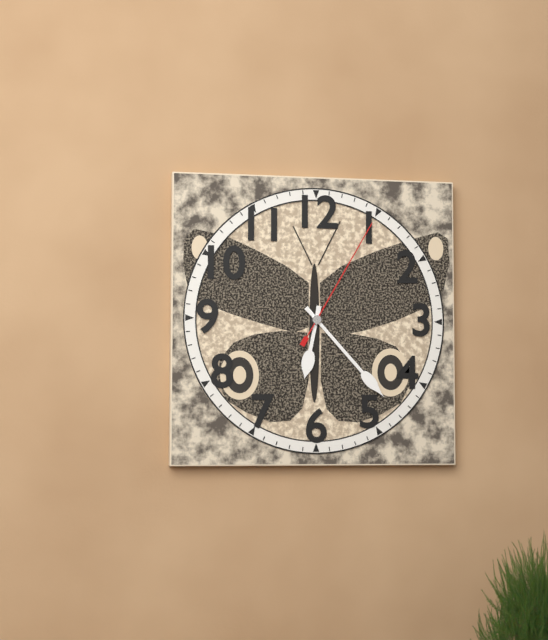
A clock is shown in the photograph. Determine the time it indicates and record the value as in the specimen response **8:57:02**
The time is **6:23:05**
